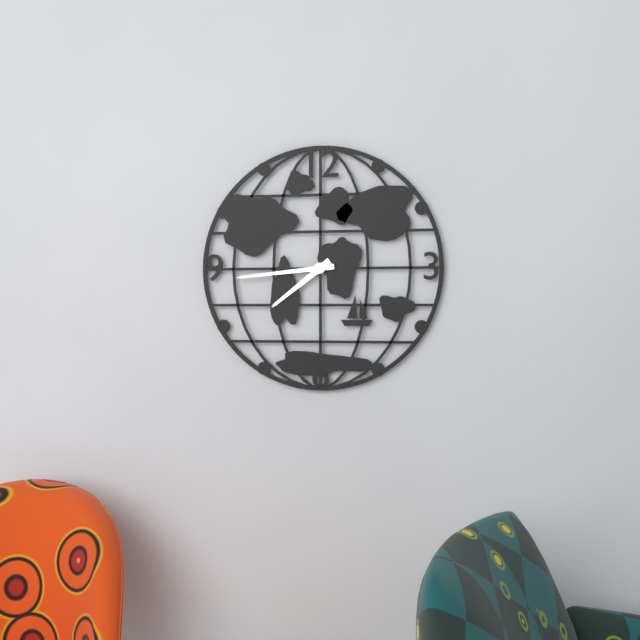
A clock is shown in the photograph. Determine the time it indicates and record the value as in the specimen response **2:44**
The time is **7:44**
